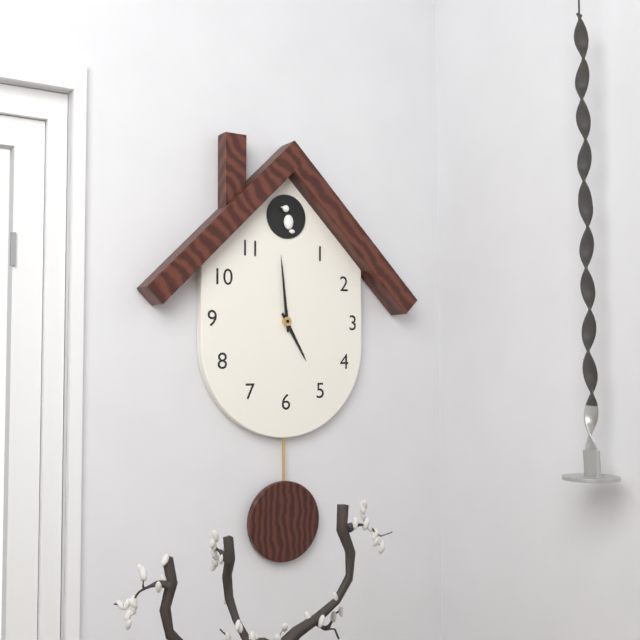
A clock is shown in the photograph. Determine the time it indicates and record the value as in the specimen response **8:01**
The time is **4:59**
